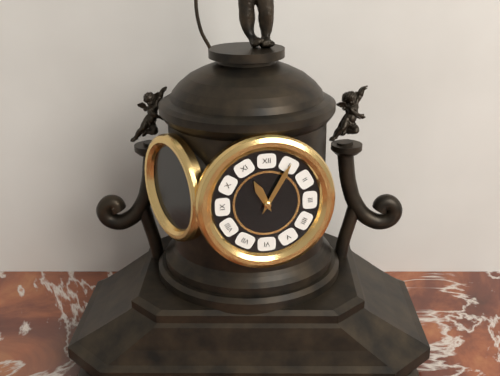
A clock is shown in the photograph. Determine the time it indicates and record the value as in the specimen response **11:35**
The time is **11:05**
